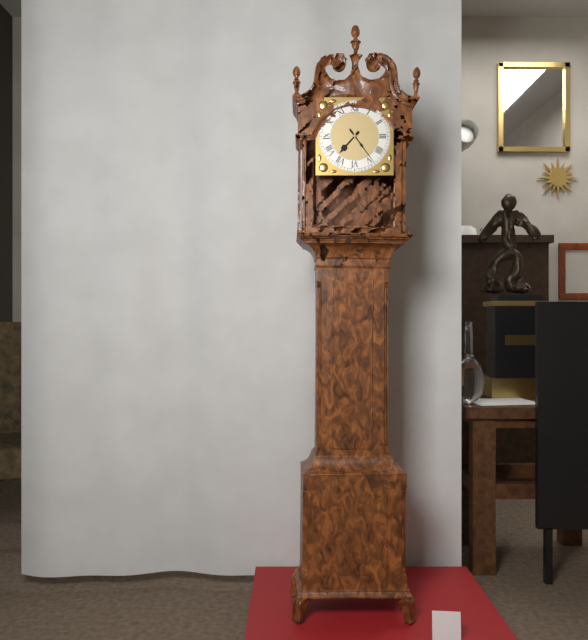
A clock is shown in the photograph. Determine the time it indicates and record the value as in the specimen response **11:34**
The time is **7:24**
